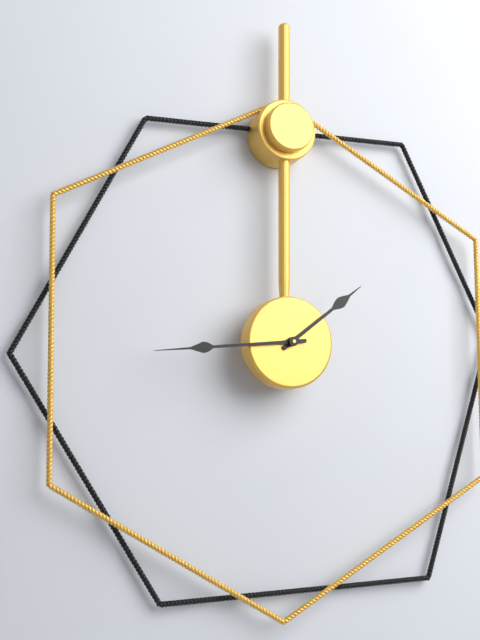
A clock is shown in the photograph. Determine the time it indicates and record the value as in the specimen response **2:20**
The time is **1:44**
